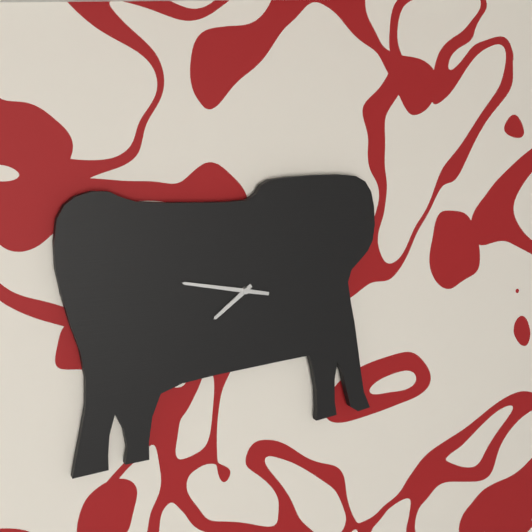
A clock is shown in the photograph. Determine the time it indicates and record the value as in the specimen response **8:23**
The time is **7:47**
